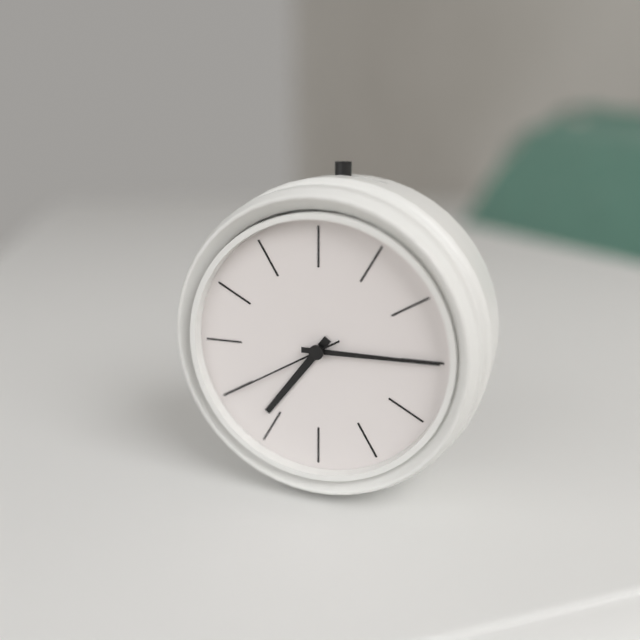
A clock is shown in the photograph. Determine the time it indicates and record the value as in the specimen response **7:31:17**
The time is **7:15:40**
